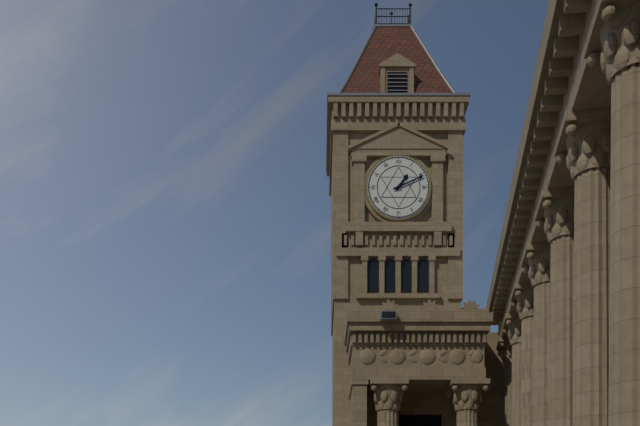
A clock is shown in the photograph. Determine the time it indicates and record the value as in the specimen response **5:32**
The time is **1:11**
